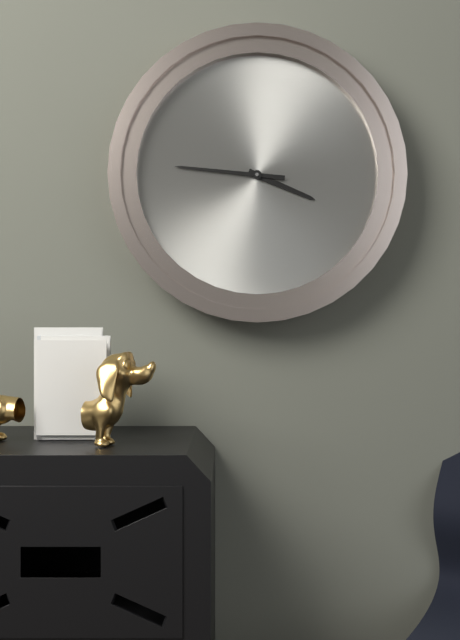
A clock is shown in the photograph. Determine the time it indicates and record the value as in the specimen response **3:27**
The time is **3:46**
